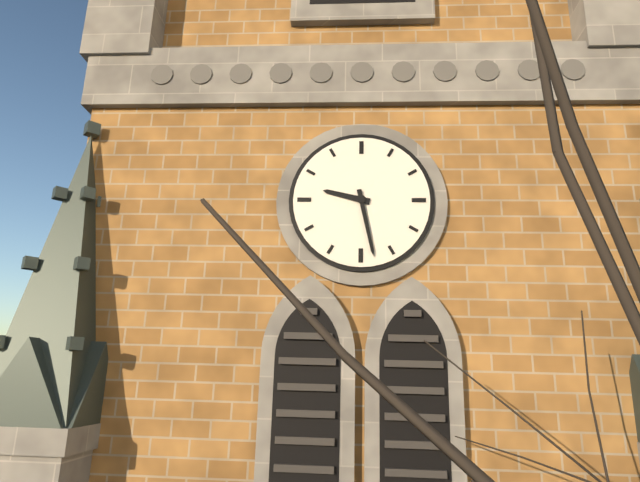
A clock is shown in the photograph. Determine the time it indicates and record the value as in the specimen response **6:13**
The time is **9:28**
